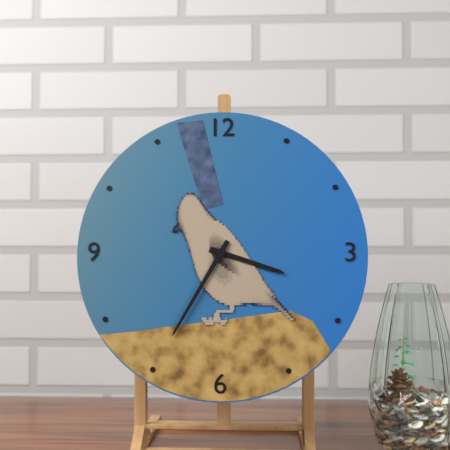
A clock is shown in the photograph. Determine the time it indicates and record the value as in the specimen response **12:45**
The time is **3:35**
